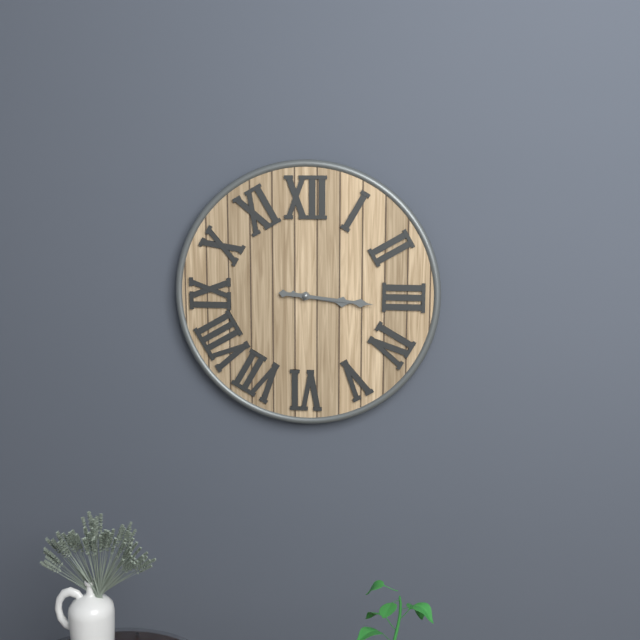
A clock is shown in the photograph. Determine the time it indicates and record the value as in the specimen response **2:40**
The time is **3:16**
